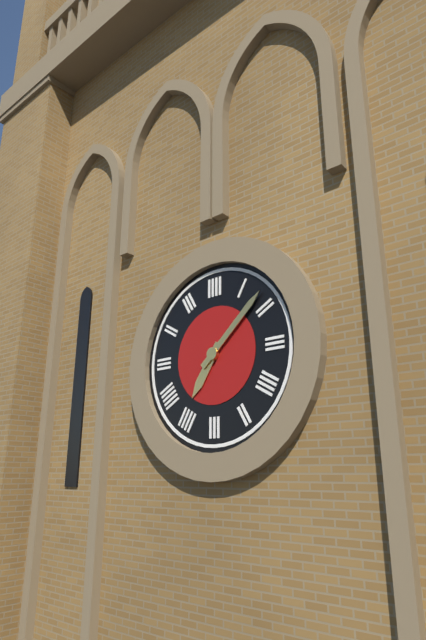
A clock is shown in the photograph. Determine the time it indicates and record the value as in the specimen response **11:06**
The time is **7:08**
